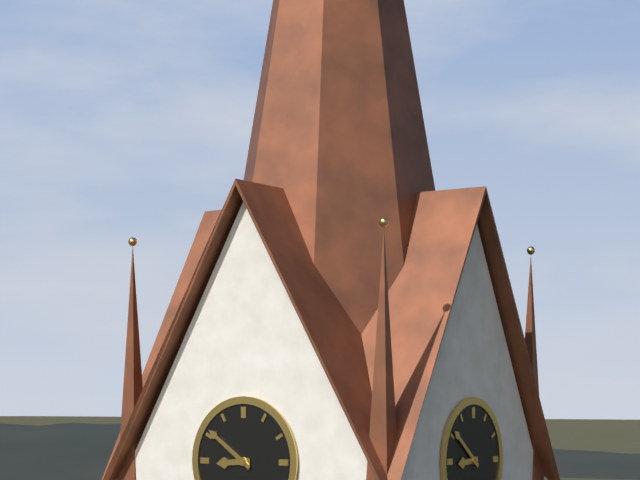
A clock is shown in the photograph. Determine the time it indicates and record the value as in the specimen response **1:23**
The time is **8:51**
